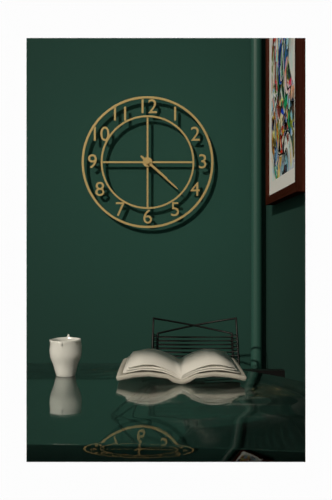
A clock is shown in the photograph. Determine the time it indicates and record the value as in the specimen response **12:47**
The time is **4:22**
